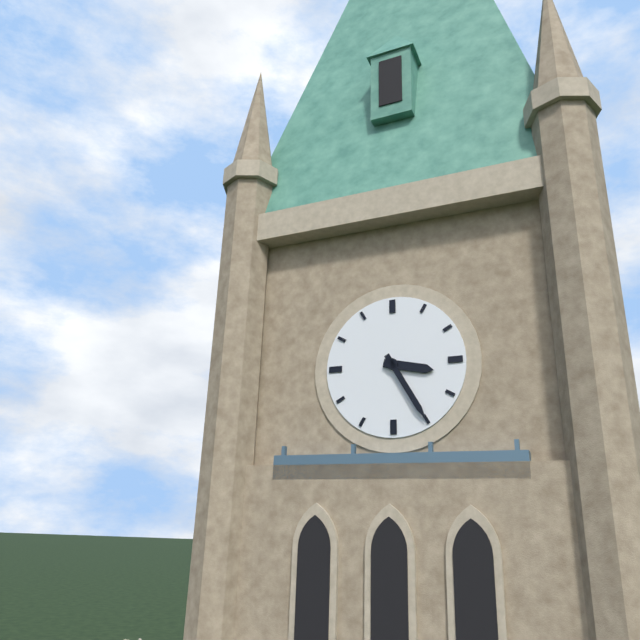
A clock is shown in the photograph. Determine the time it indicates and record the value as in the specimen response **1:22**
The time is **3:25**
